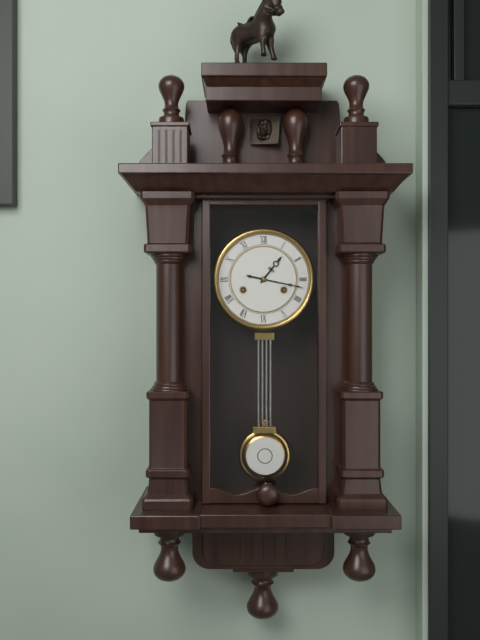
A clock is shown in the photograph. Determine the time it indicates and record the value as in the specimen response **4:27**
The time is **1:17**
